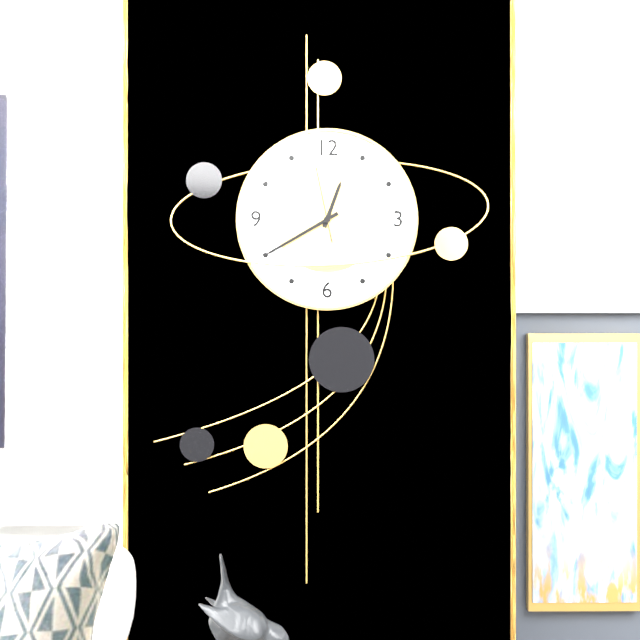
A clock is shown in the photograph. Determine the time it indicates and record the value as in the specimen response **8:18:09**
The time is **12:40:58**
